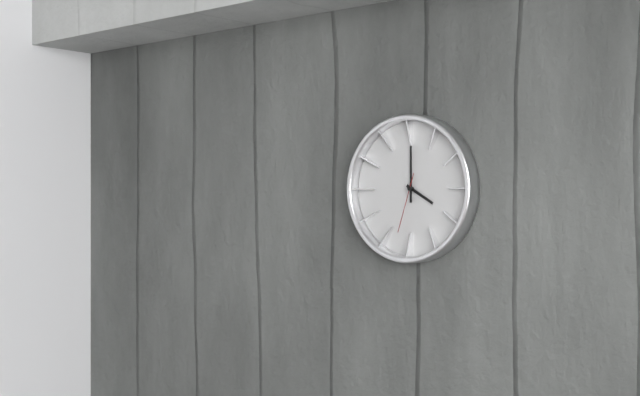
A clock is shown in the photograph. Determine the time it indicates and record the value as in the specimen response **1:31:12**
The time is **4:00:33**
